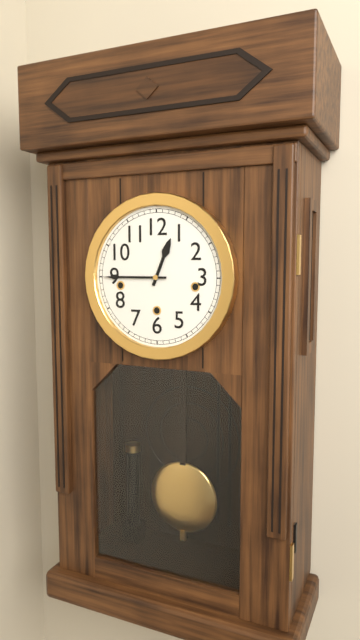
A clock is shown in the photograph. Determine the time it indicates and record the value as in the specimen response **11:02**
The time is **12:45**
